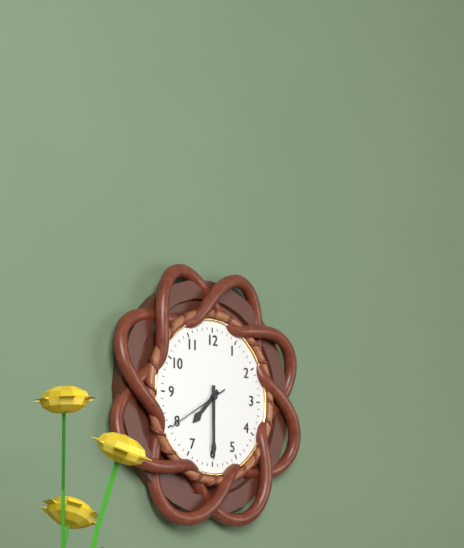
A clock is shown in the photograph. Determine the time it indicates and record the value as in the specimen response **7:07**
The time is **7:30**
